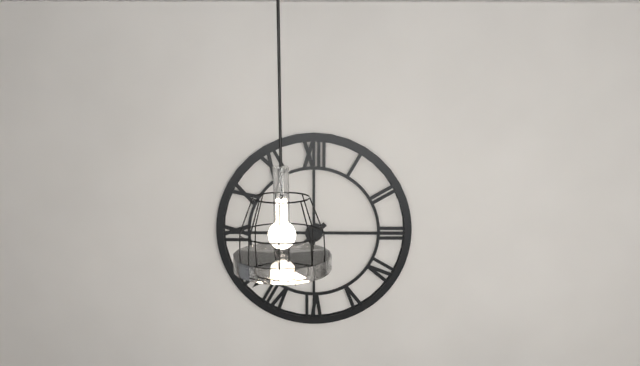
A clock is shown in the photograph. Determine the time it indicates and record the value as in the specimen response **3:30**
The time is **6:38**
